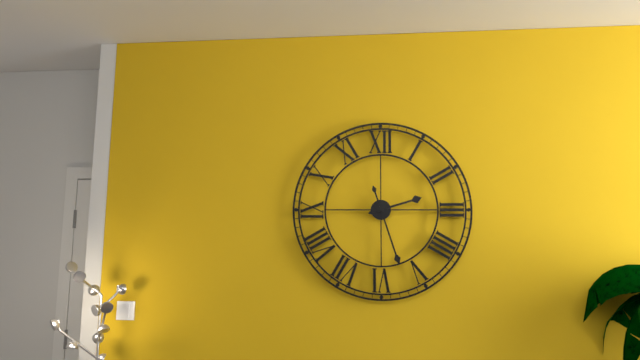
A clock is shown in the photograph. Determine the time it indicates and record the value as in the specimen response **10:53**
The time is **2:27**
